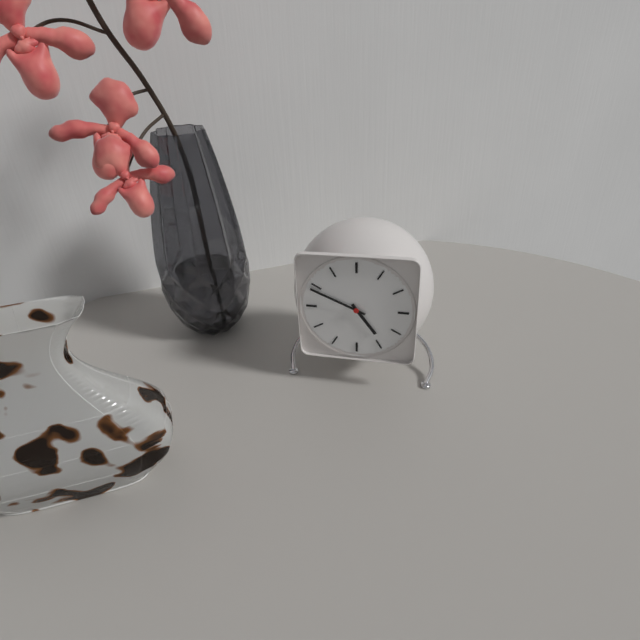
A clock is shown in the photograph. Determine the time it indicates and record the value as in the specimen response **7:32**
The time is **4:49**
